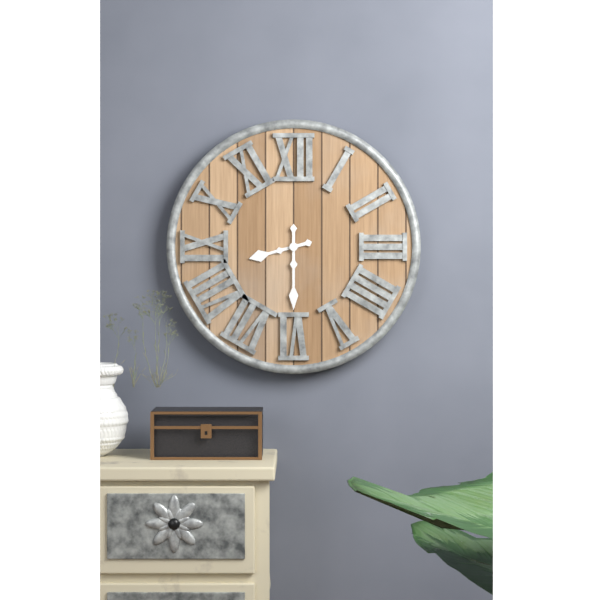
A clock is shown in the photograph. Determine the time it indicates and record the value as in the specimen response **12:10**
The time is **8:30**
